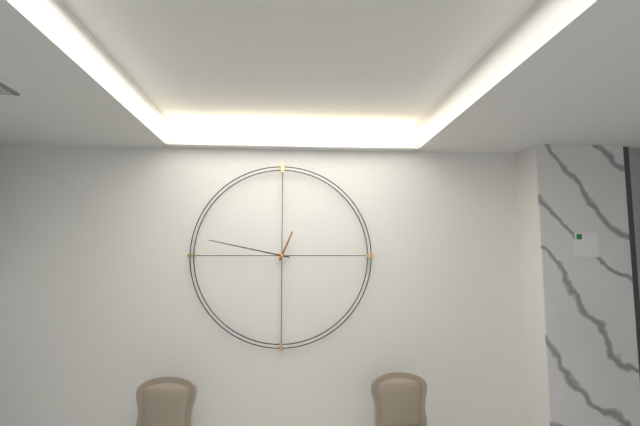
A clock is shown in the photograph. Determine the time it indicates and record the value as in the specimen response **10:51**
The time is **12:47**
